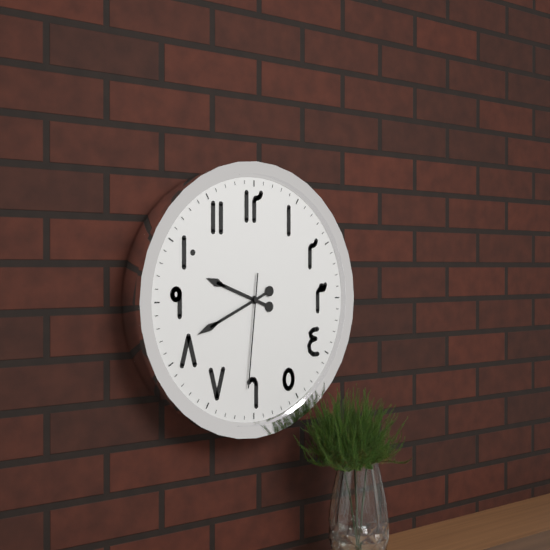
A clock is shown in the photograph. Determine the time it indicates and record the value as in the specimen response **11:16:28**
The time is **9:41:31**
